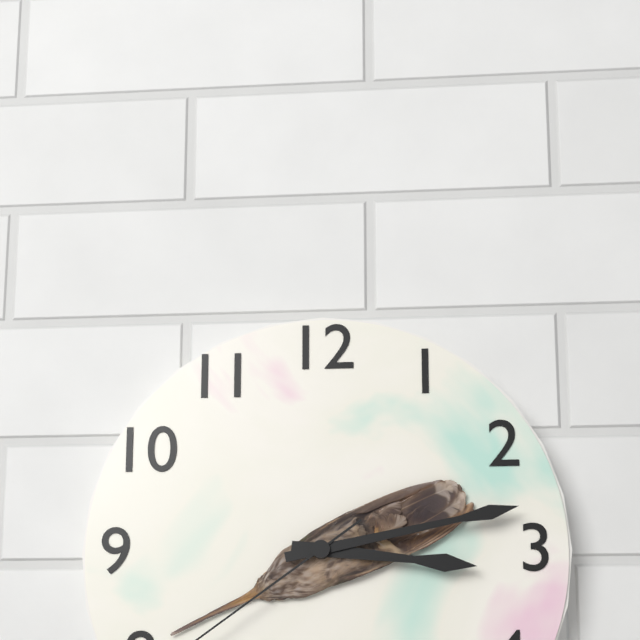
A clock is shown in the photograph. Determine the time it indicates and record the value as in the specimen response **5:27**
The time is **3:13**
